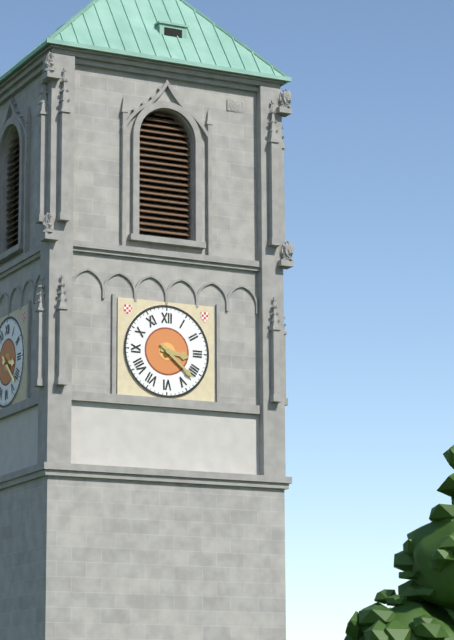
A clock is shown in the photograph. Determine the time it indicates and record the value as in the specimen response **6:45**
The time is **3:22**
